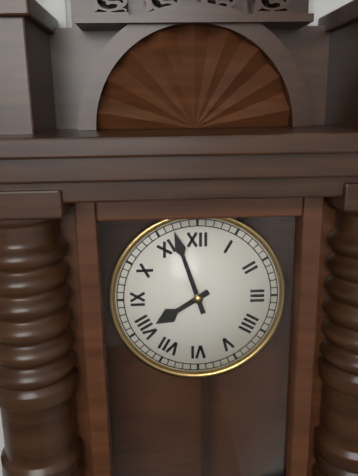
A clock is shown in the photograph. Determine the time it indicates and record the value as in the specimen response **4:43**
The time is **7:57**
